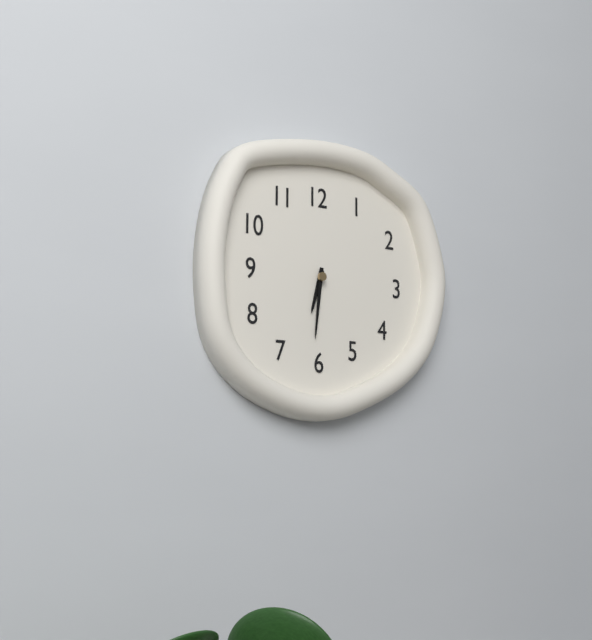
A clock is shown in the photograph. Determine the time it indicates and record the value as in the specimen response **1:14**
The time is **6:31**
